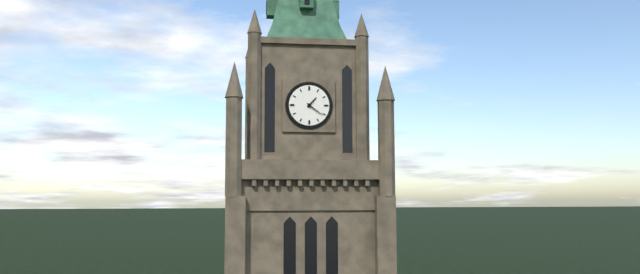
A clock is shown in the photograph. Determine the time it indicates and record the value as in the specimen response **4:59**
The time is **1:21**
